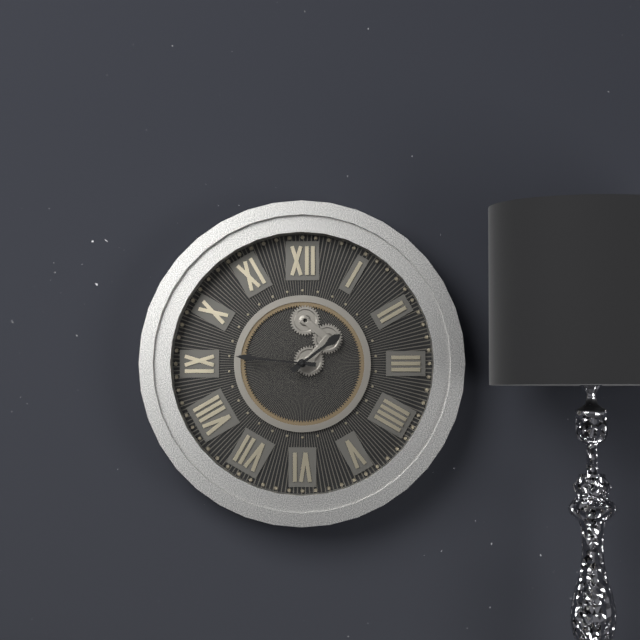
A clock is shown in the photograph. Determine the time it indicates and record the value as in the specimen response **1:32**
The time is **1:46**
